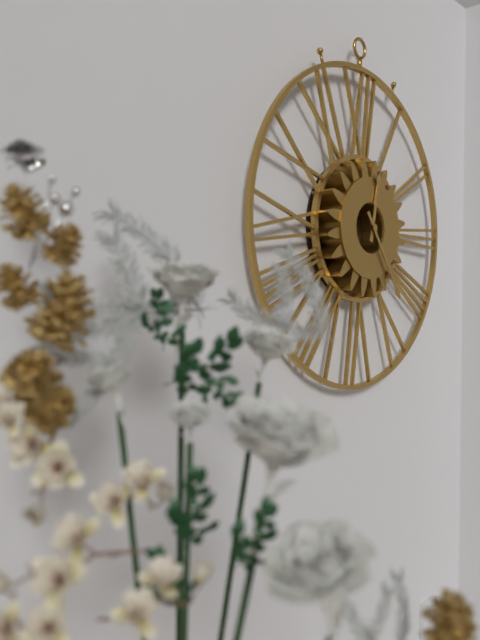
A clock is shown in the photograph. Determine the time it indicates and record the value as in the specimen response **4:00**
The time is **12:24**
